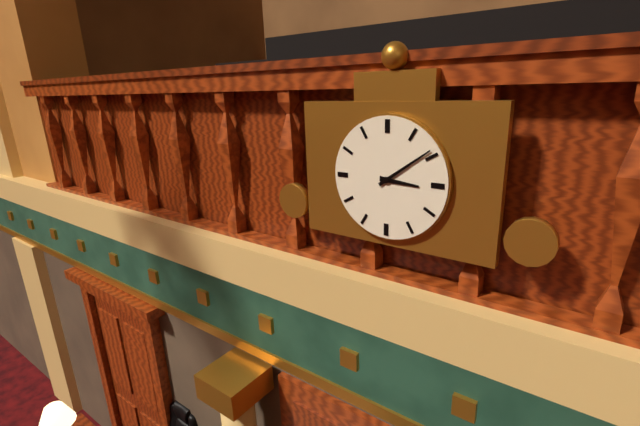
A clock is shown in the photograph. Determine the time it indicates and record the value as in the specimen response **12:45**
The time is **3:09**
